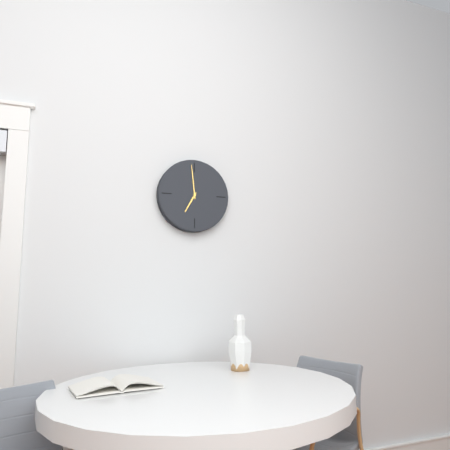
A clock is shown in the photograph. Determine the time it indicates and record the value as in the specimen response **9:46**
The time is **6:59**
